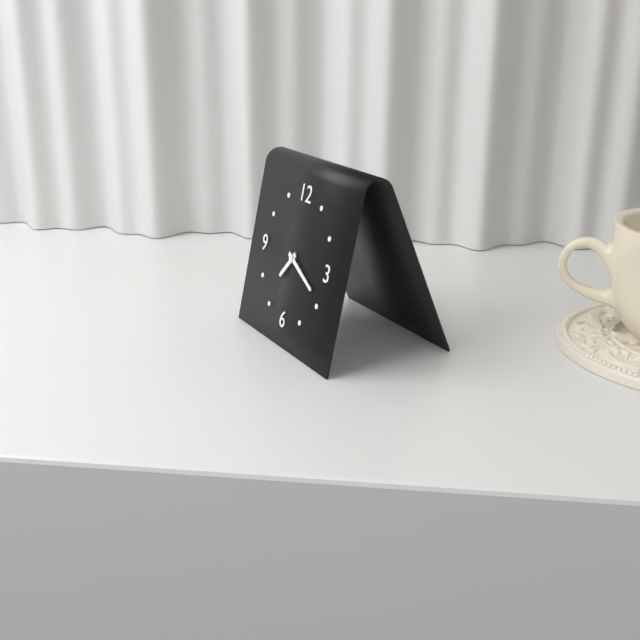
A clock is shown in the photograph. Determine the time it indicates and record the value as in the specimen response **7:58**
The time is **7:19**
